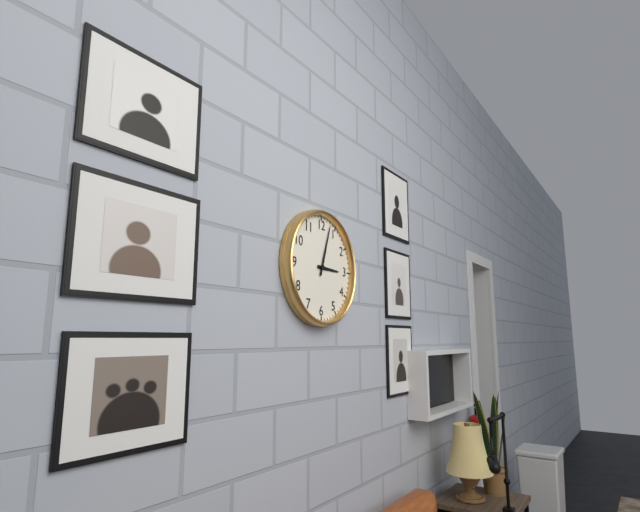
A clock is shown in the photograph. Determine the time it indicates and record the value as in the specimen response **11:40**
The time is **3:03**
